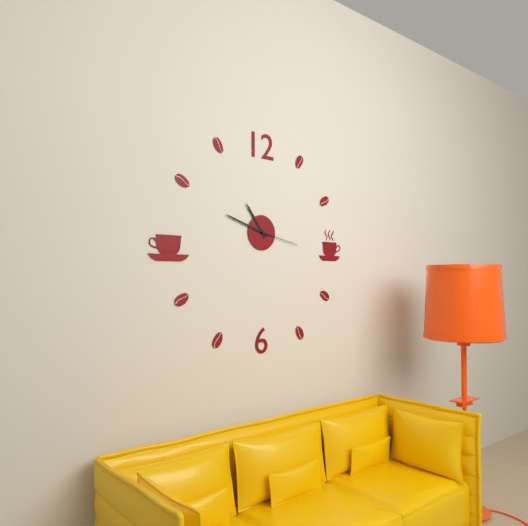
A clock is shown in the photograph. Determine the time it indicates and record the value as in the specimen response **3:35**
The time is **10:48**
